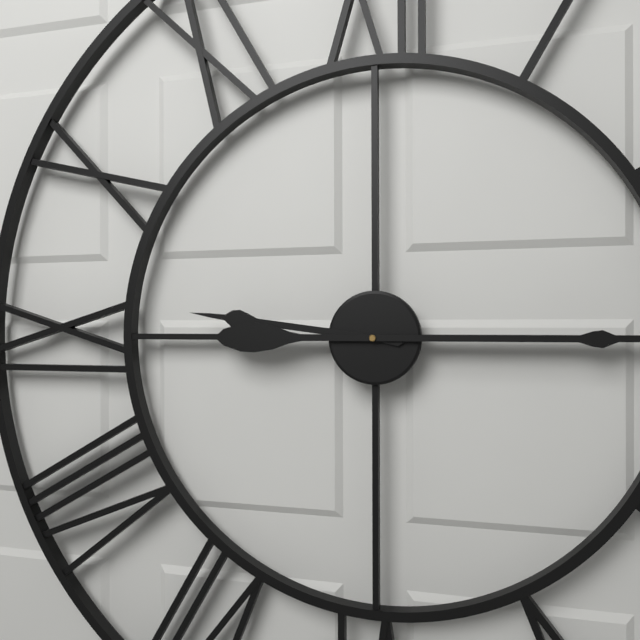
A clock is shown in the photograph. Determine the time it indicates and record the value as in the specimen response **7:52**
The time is **9:15**
